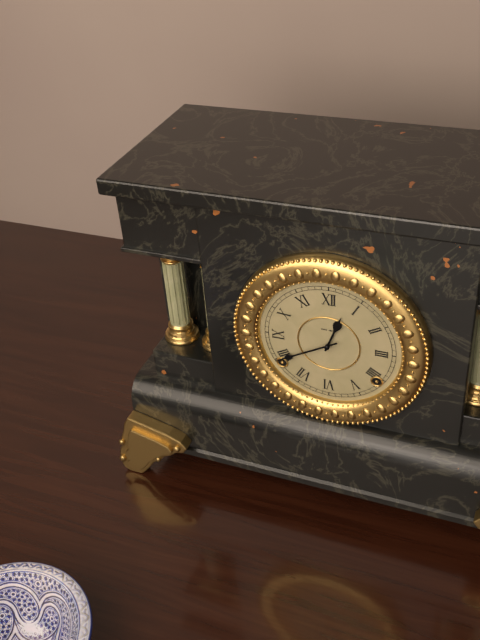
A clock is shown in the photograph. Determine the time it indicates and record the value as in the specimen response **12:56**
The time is **12:40**
